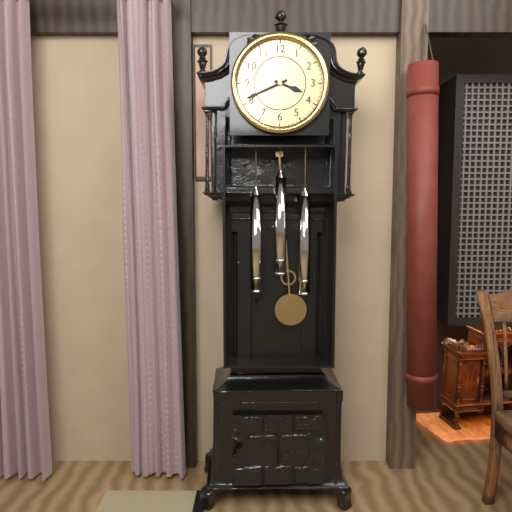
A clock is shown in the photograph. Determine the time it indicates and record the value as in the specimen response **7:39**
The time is **3:41**
